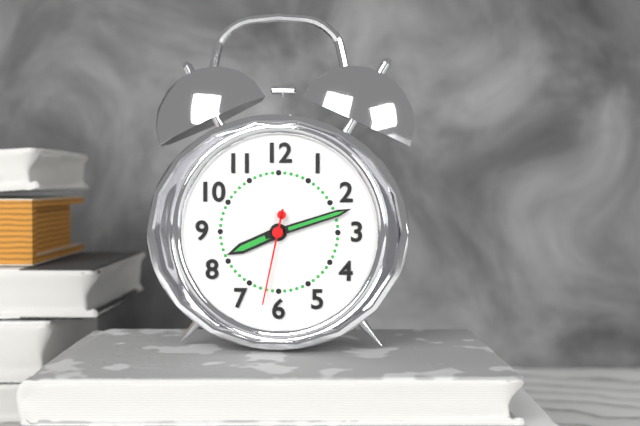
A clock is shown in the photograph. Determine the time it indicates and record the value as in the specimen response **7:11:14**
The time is **8:12:32**
